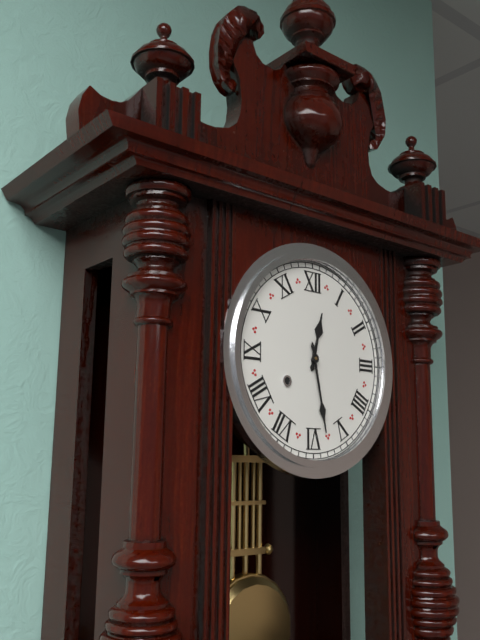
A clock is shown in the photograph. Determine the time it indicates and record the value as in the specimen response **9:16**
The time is **12:28**
